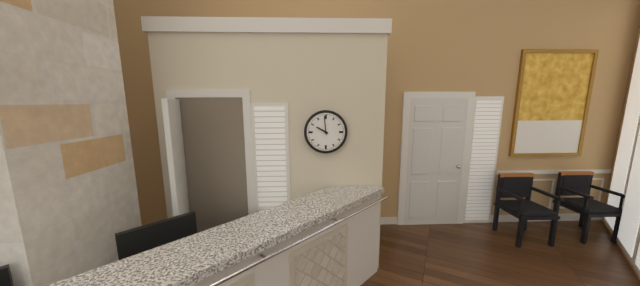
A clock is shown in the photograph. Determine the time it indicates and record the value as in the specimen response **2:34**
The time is **9:59**
